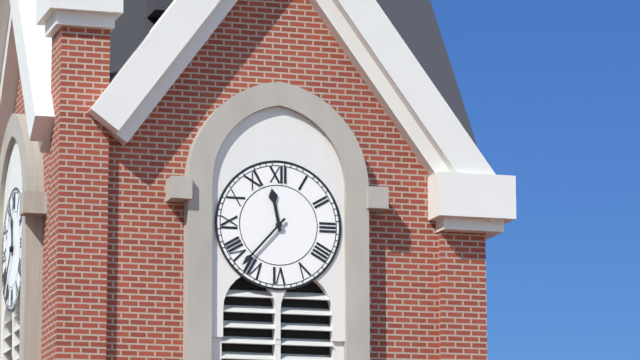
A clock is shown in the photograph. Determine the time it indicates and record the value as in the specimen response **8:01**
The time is **11:37**
